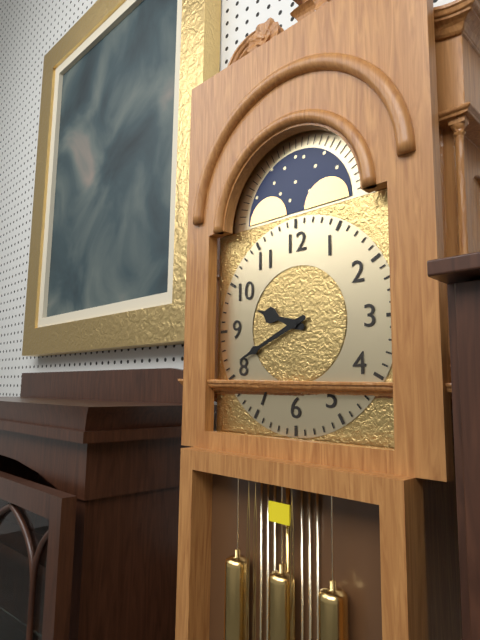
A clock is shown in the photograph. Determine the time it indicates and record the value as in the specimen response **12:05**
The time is **9:41**
